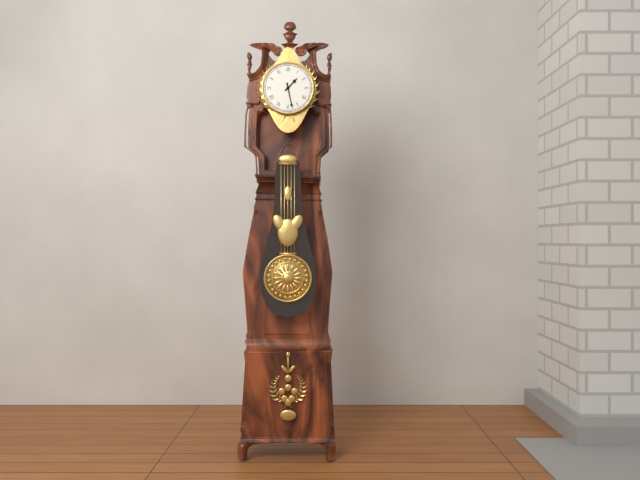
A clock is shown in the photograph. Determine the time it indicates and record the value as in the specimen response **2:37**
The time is **1:28**
